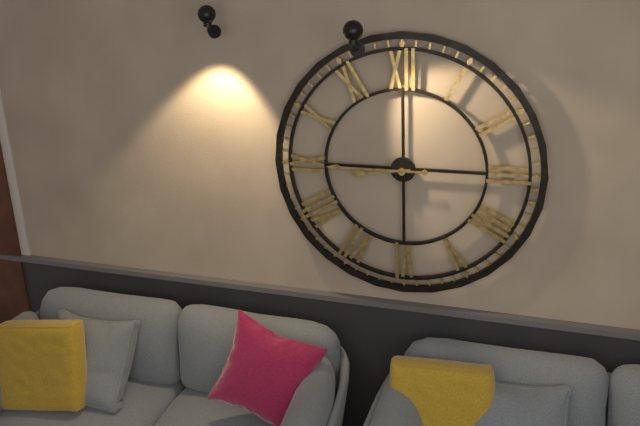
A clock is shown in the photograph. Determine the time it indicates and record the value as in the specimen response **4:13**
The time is **8:45**
